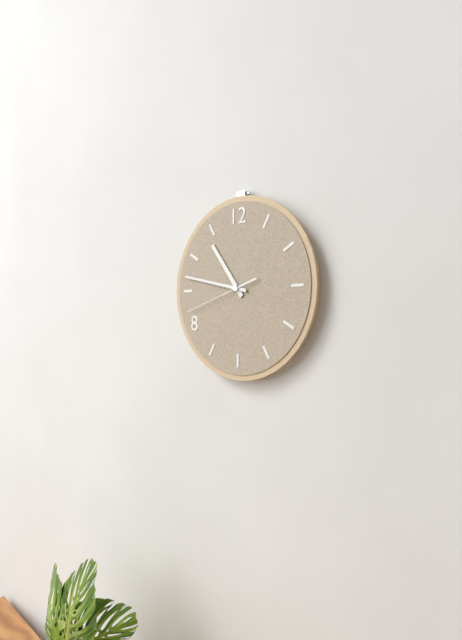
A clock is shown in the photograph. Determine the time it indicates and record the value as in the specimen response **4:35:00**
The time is **10:47:42**
